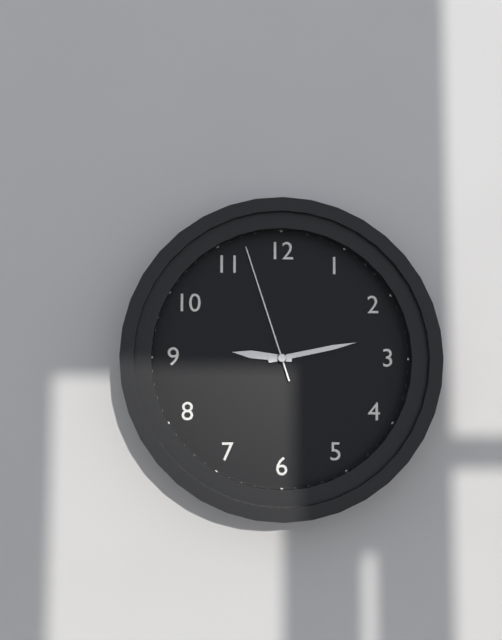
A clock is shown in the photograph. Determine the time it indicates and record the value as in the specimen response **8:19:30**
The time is **9:13:57**
